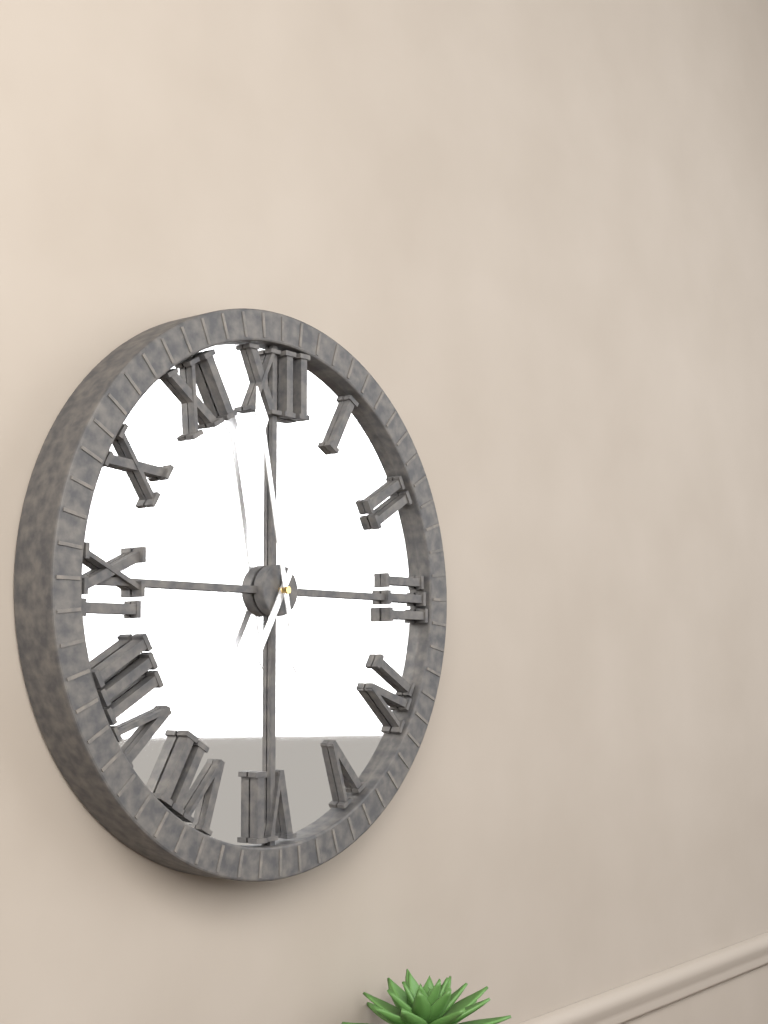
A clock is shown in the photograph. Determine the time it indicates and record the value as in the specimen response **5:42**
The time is **6:58**
